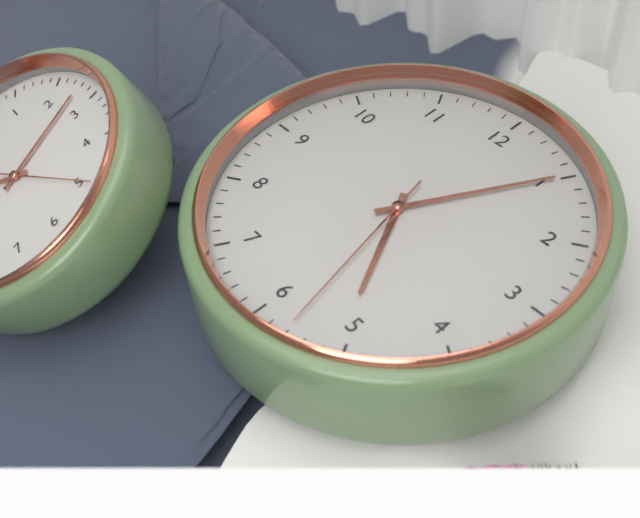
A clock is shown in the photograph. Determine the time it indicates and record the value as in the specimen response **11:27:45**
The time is **5:05:28**
